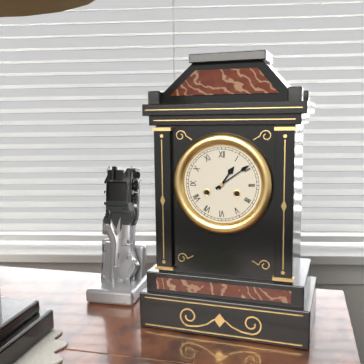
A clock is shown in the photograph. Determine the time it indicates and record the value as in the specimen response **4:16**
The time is **1:09**
